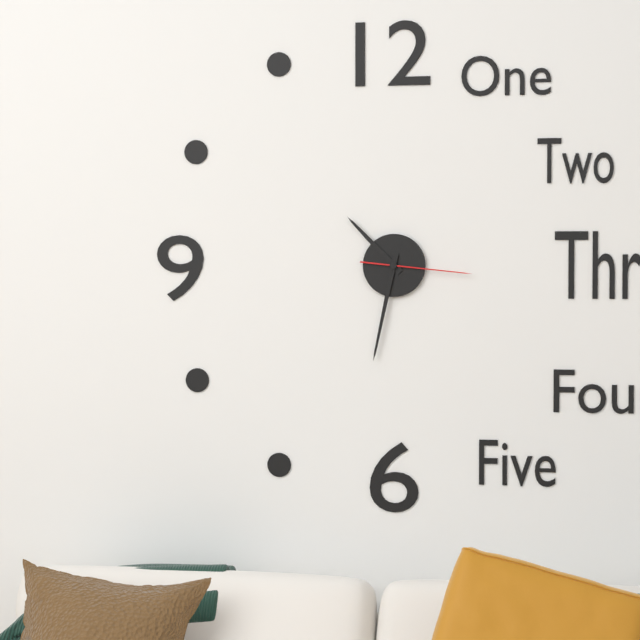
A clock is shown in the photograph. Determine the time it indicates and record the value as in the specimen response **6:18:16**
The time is **10:32:16**
